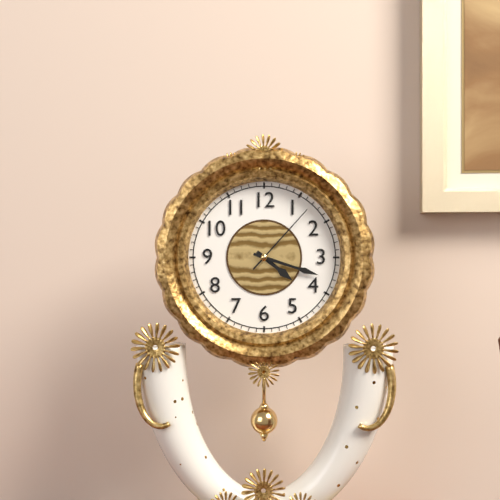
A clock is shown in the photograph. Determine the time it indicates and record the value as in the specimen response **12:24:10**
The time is **4:18:07**
